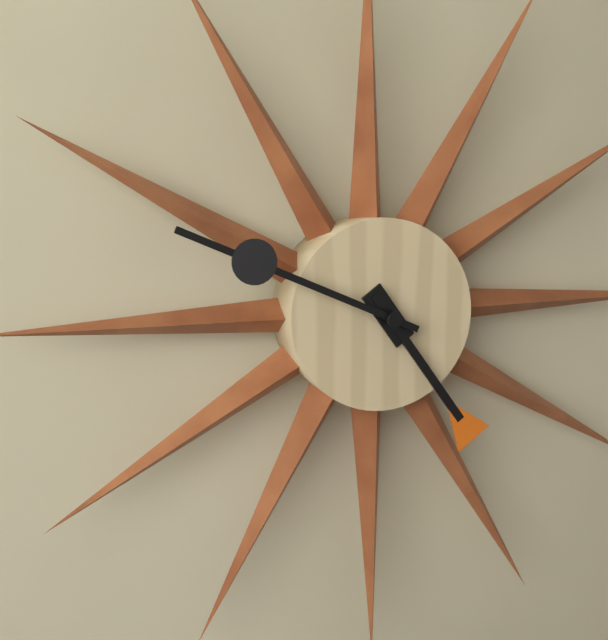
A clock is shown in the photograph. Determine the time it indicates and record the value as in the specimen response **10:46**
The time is **4:49**
